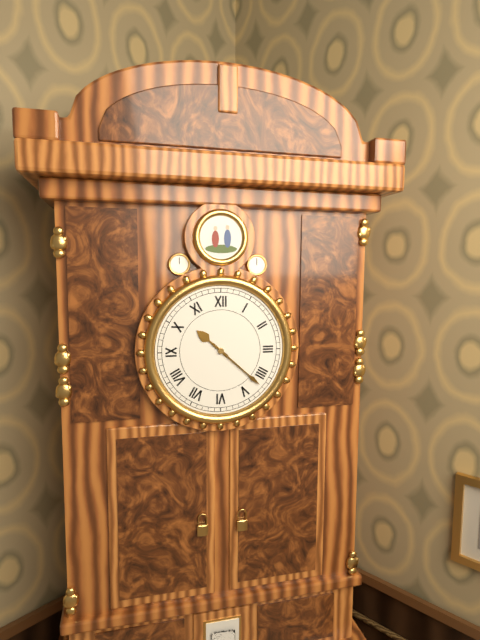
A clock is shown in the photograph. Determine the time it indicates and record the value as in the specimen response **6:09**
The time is **10:22**
